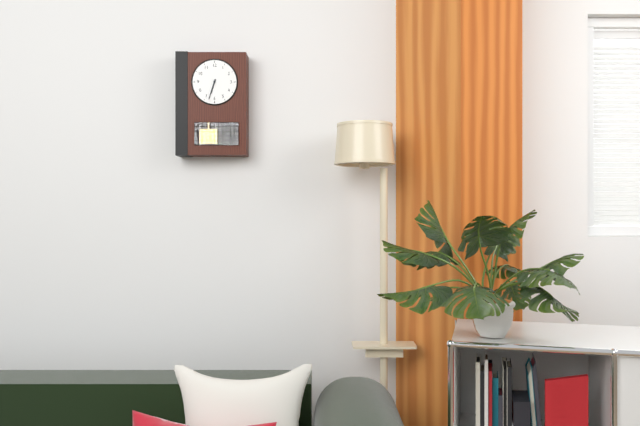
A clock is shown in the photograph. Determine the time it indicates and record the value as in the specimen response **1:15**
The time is **6:33**
